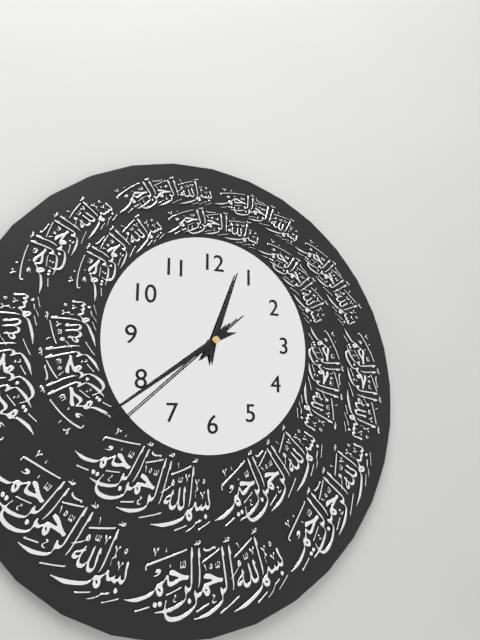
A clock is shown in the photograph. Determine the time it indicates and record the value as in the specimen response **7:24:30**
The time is **12:39:38**
